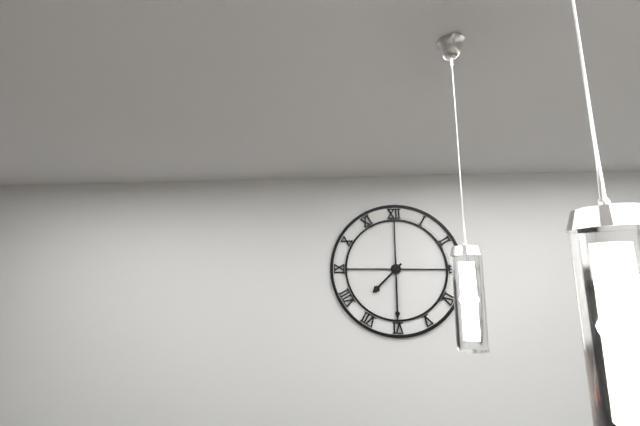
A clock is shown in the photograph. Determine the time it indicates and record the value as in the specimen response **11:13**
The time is **7:30**
